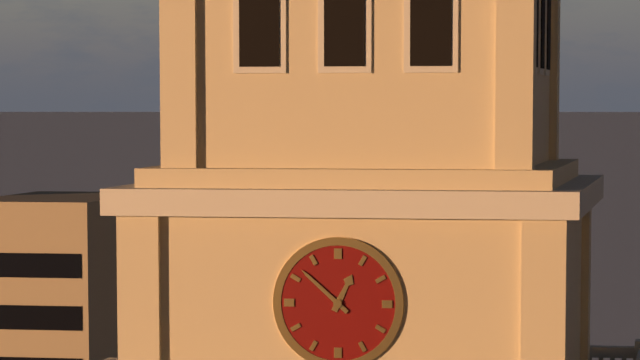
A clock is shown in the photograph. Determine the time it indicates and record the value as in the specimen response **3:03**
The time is **12:52**
